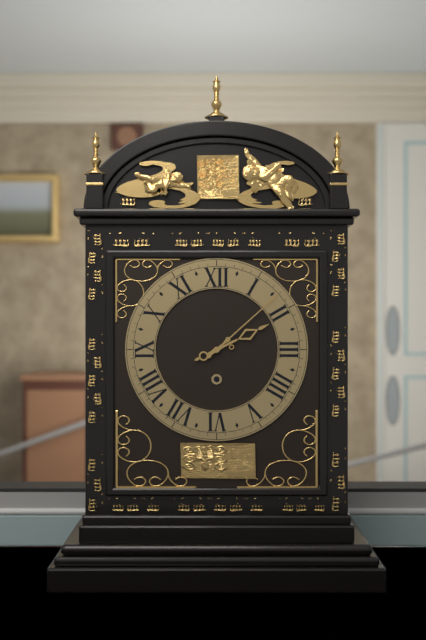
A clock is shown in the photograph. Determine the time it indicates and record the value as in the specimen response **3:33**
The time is **2:08**
